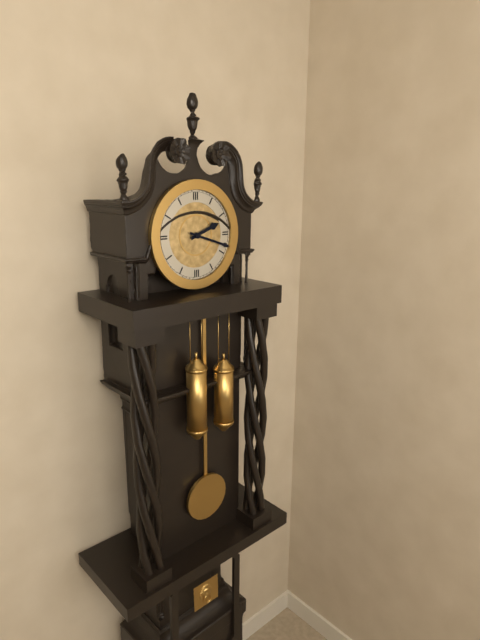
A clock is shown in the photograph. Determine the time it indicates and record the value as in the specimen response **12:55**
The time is **2:18**
